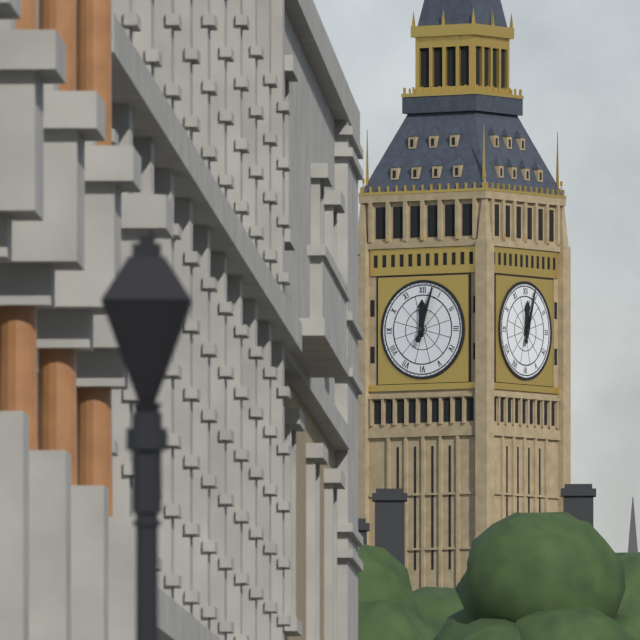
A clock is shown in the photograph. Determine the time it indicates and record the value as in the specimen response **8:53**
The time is **12:03**
